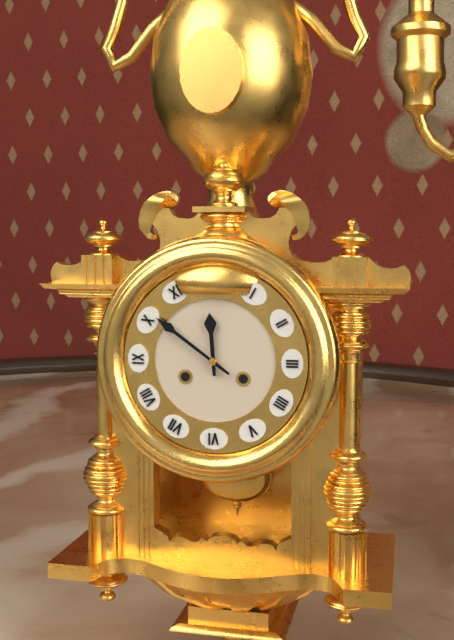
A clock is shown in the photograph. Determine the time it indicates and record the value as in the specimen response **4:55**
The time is **11:51**
